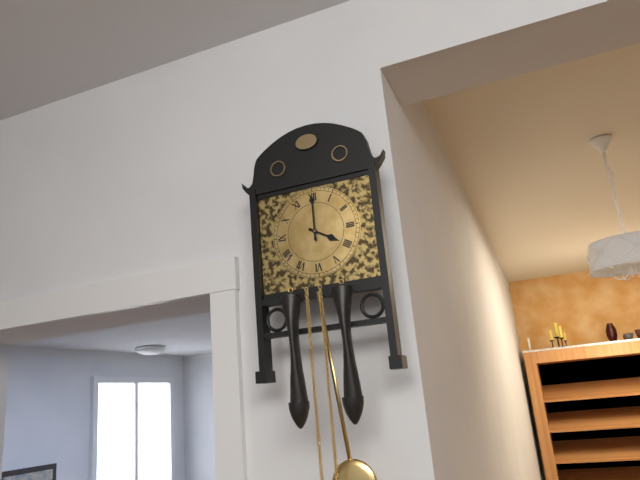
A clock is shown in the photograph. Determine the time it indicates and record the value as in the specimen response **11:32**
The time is **4:00**
